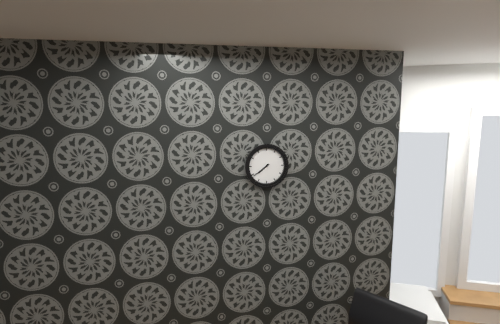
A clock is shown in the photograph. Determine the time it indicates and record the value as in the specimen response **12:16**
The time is **7:39**
